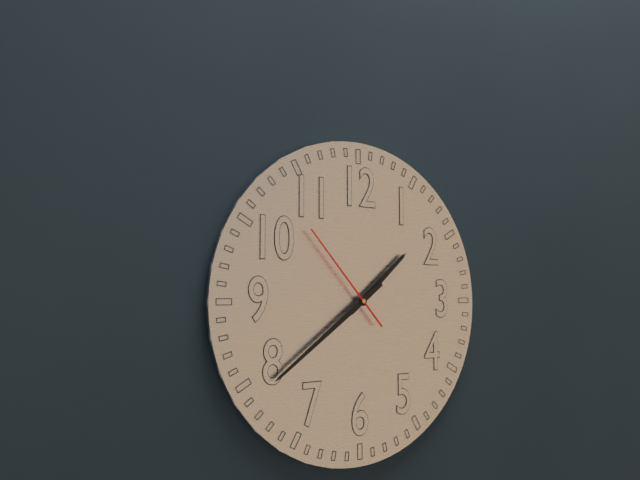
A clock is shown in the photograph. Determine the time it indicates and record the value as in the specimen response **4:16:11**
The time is **1:39:53**
